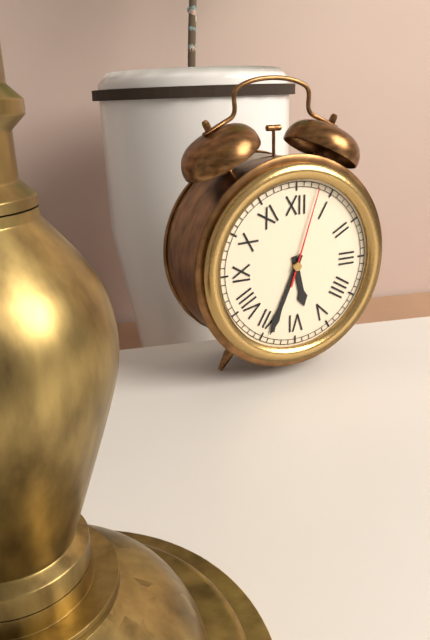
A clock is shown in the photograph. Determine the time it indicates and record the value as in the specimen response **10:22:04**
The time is **5:34:03**
